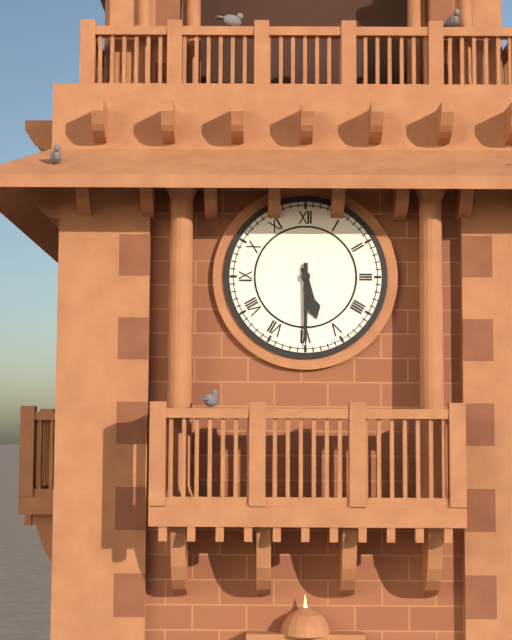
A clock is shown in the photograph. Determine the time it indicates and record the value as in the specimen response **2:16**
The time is **5:30**
